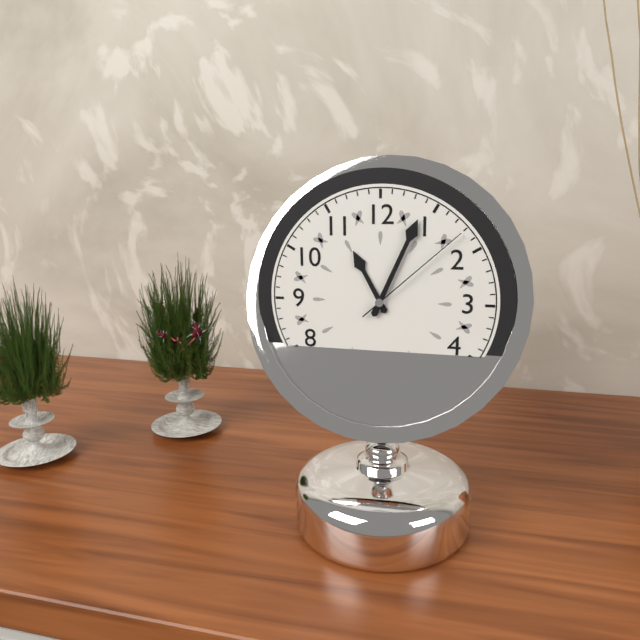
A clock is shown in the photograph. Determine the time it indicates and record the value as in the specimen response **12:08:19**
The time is **11:04:08**
